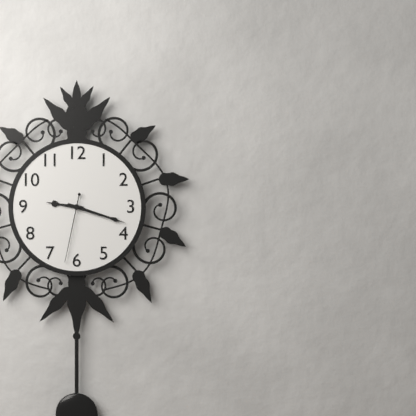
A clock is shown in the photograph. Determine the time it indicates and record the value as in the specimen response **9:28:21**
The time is **9:18:32**
